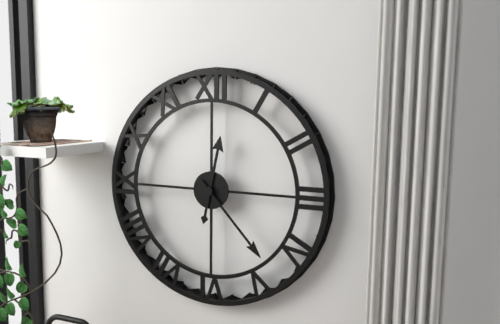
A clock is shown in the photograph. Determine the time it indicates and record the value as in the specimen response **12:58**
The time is **12:23**
